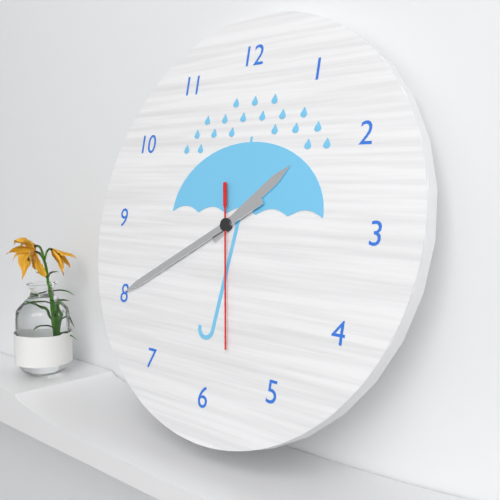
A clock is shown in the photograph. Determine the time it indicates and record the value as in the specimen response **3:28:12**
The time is **1:40:28**
